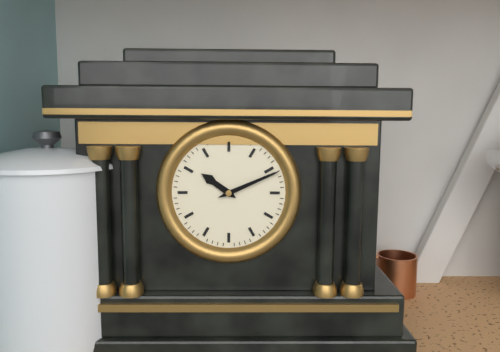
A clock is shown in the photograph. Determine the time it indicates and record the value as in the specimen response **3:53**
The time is **10:11**
